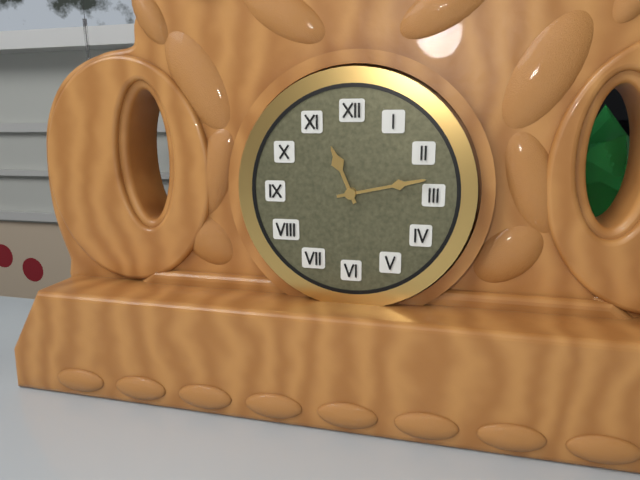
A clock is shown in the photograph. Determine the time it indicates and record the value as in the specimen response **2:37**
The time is **11:13**
